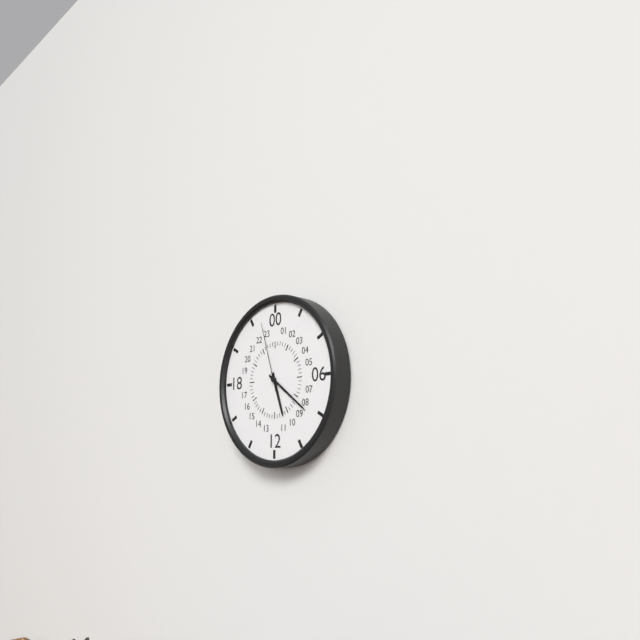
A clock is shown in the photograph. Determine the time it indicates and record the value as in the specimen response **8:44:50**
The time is **5:21:57**
